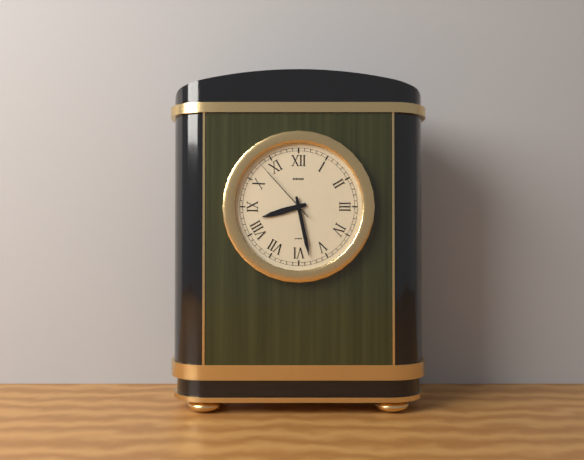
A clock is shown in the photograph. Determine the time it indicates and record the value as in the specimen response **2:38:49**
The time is **8:28:53**
